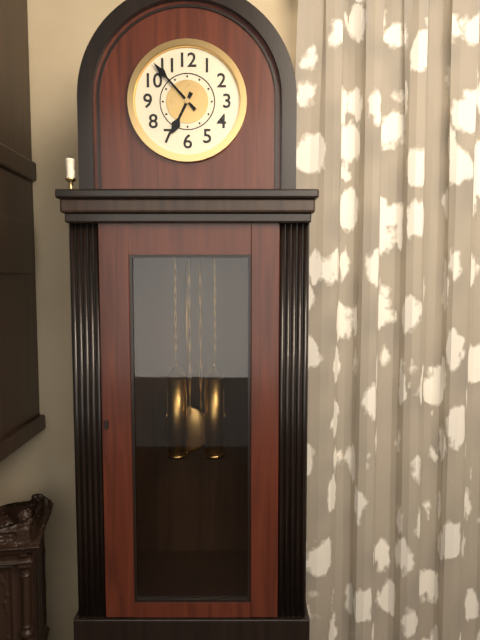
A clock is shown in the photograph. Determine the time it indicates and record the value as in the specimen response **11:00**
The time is **6:53**
